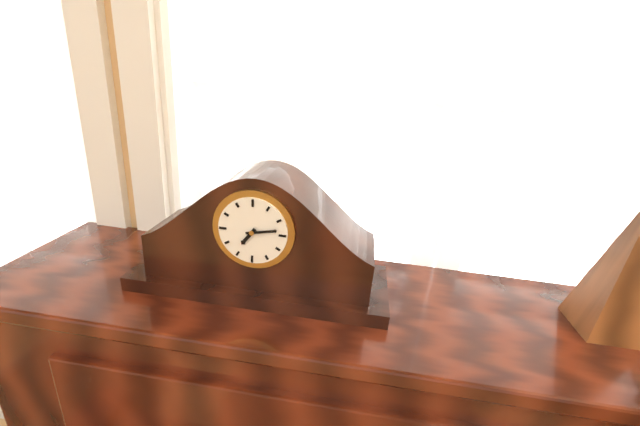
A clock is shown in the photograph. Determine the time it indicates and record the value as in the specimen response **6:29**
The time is **7:13**
